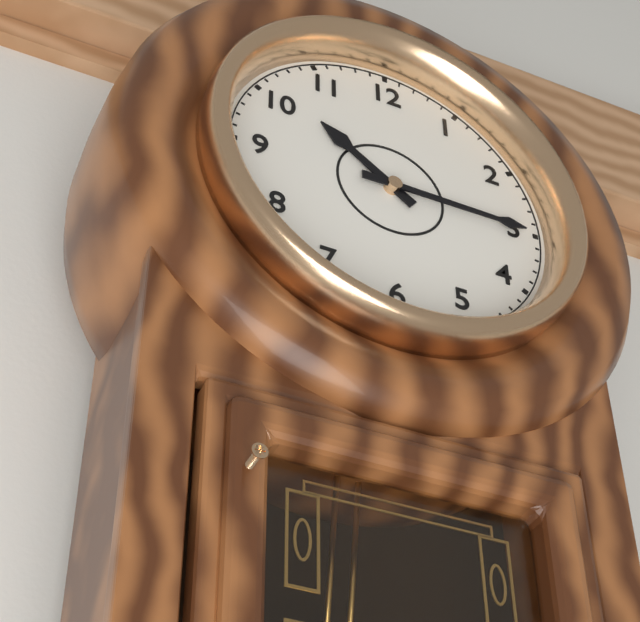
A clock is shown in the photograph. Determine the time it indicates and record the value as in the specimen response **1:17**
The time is **10:15**
